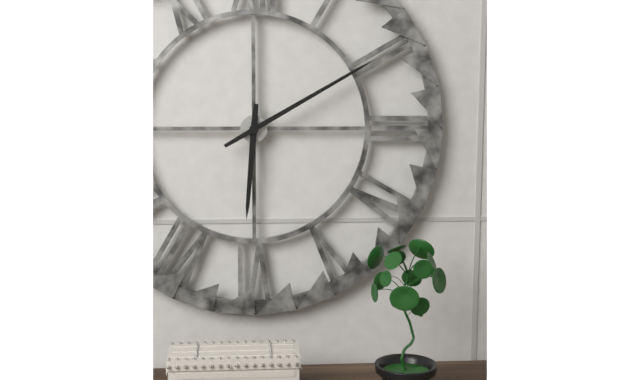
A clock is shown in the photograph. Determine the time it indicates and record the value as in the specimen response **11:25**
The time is **6:10**
